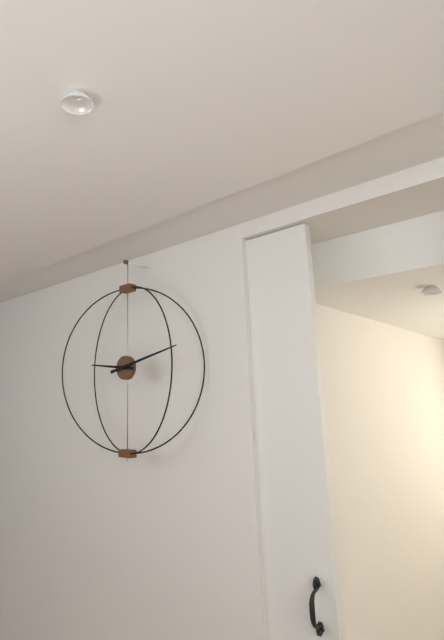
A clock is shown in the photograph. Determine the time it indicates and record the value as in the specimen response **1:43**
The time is **9:13**
